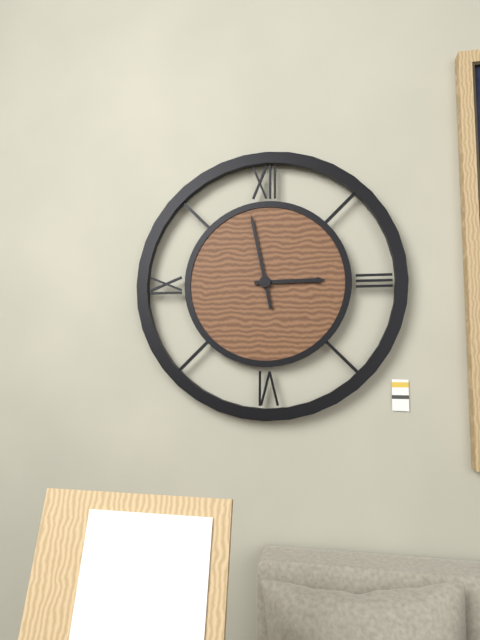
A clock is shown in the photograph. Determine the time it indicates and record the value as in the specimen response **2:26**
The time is **2:58**
